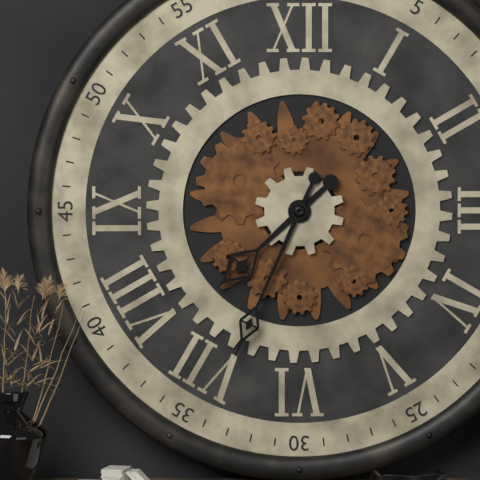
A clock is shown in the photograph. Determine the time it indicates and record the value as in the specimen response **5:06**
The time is **7:34**
